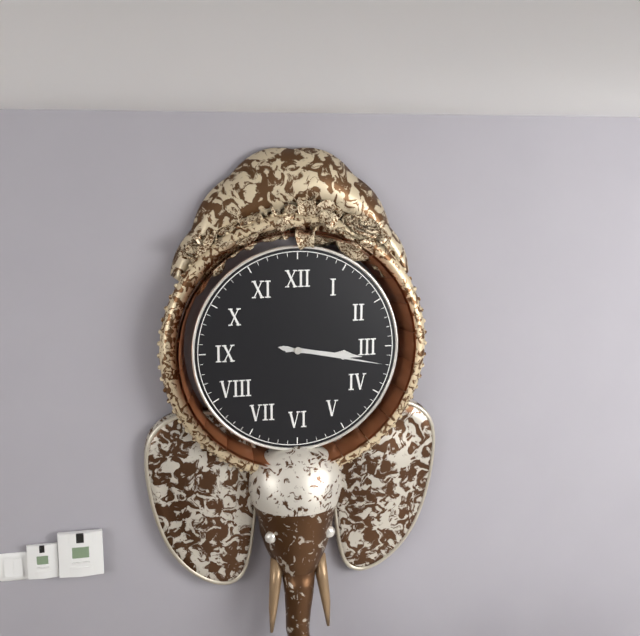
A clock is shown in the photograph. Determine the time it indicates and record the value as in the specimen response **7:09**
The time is **3:17**
